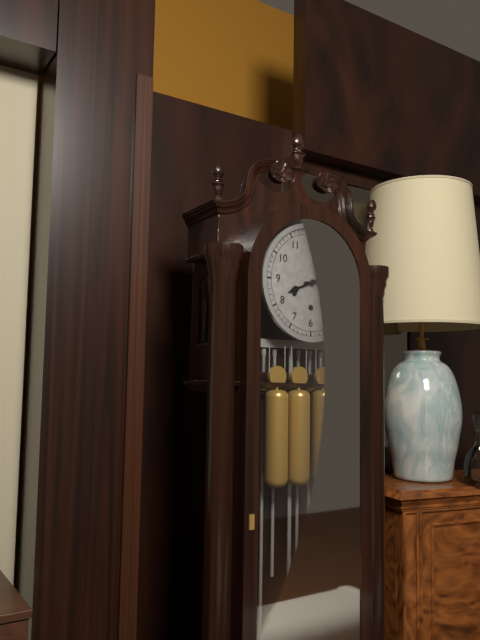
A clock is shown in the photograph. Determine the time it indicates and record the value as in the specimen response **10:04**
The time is **8:14**
